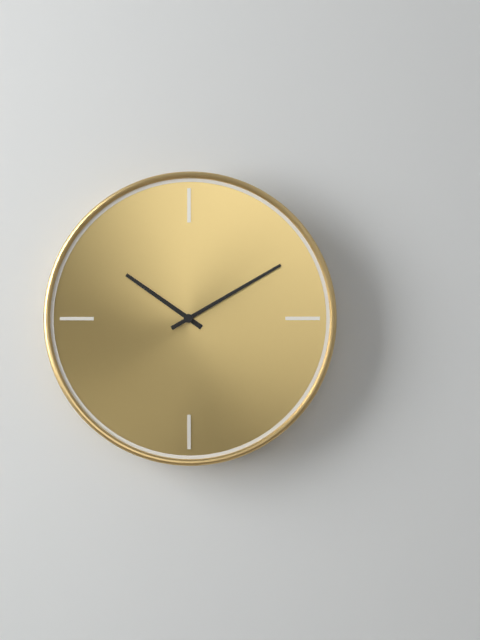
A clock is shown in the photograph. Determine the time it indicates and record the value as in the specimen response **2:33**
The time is **10:10**
